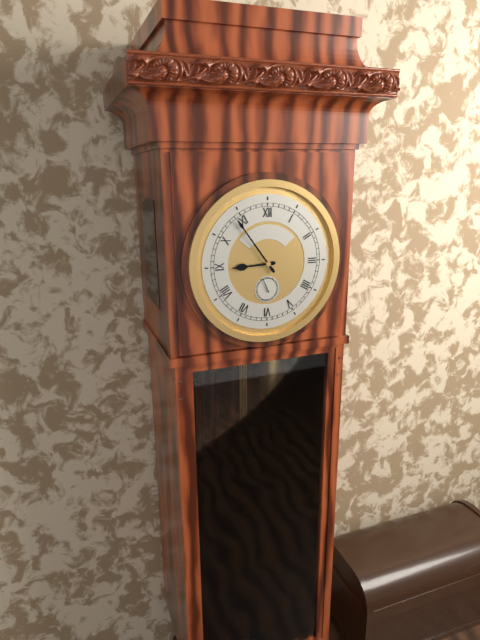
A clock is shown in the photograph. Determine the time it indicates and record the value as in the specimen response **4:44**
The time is **8:54**
